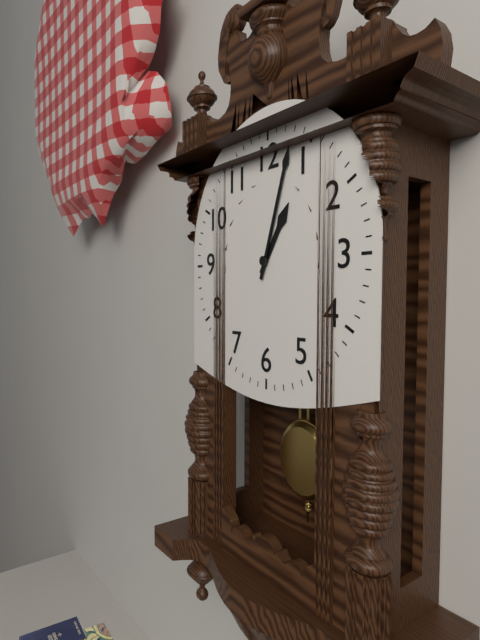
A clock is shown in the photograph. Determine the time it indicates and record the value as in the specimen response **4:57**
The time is **1:03**
